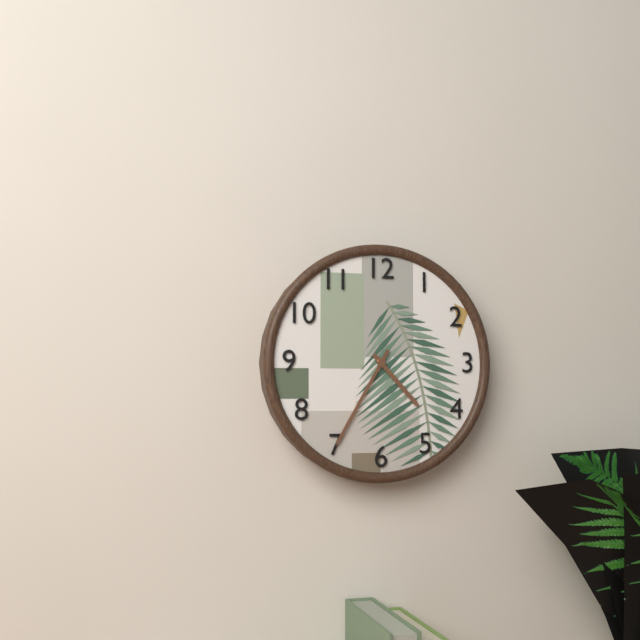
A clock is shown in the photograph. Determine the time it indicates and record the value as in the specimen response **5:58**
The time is **4:35**
